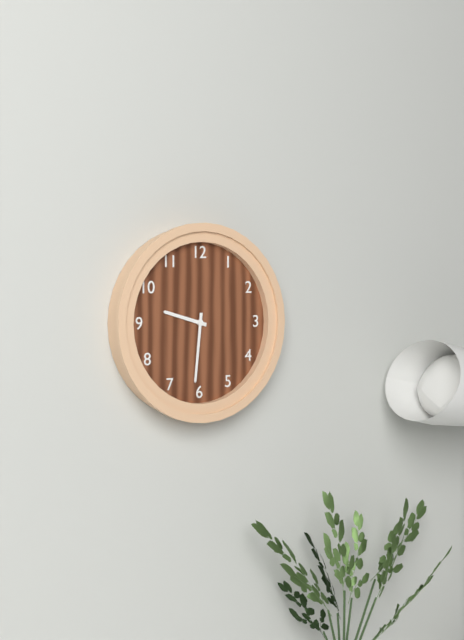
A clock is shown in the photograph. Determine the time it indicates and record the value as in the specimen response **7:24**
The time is **9:31**
